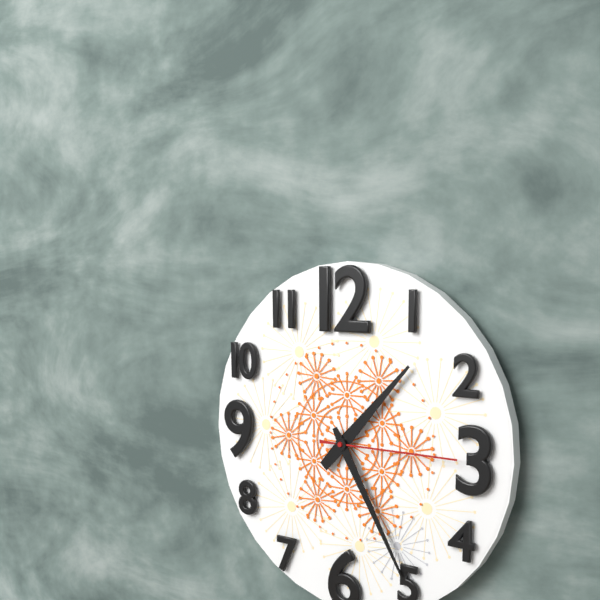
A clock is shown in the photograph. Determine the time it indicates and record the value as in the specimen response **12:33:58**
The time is **1:25:15**
